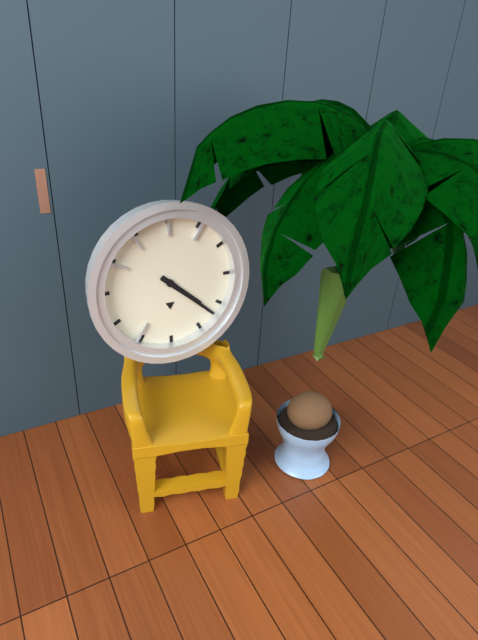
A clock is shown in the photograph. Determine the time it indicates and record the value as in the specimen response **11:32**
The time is **4:22**
